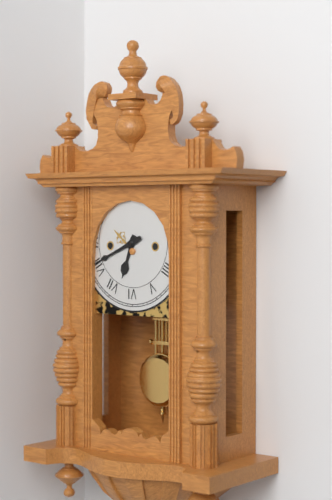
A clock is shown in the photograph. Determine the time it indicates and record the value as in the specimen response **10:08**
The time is **6:41**
